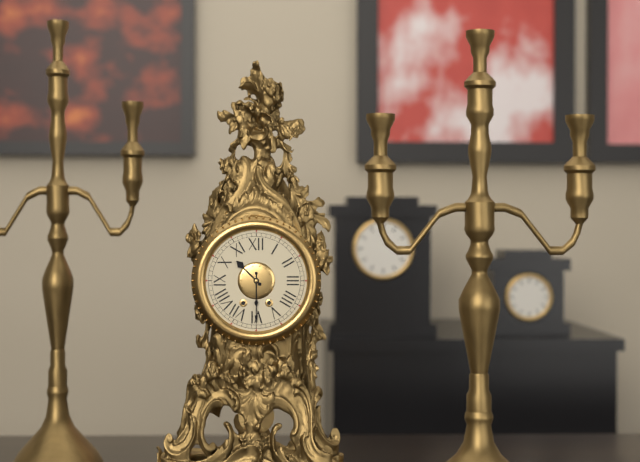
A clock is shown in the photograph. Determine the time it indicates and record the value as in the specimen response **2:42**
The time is **10:30**
